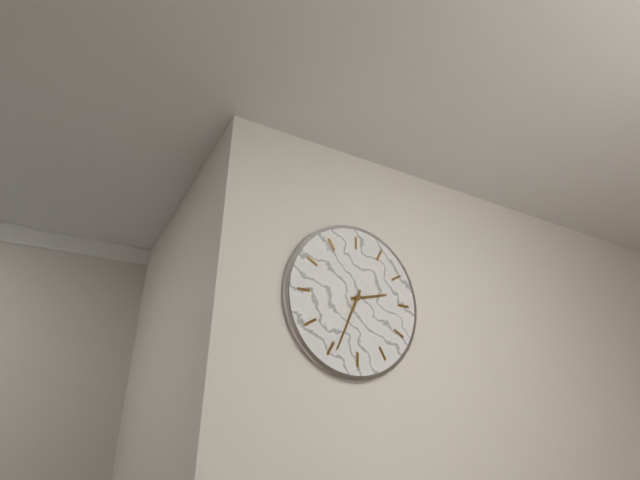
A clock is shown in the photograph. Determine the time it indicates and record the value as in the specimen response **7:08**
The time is **2:34**
